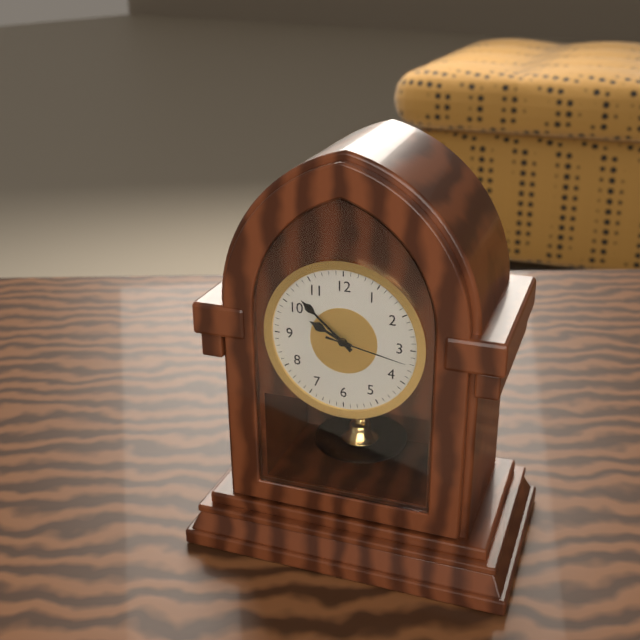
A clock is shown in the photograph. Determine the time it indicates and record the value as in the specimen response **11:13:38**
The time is **9:52:17**
